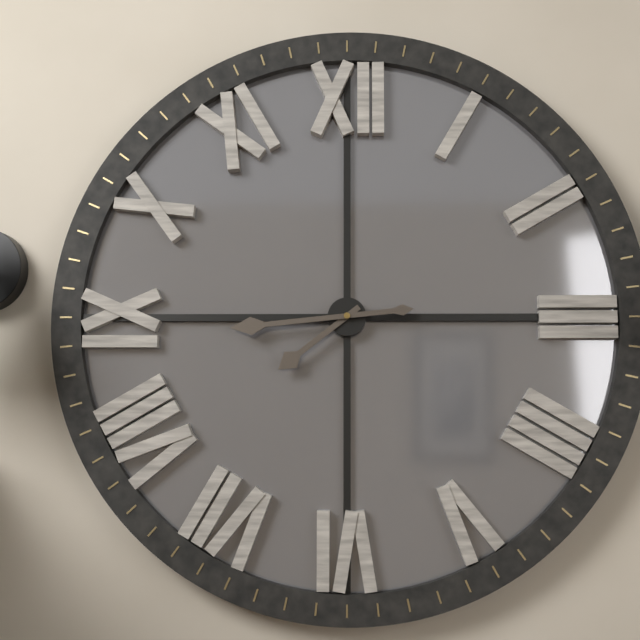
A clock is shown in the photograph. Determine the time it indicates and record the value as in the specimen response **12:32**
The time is **7:44**
